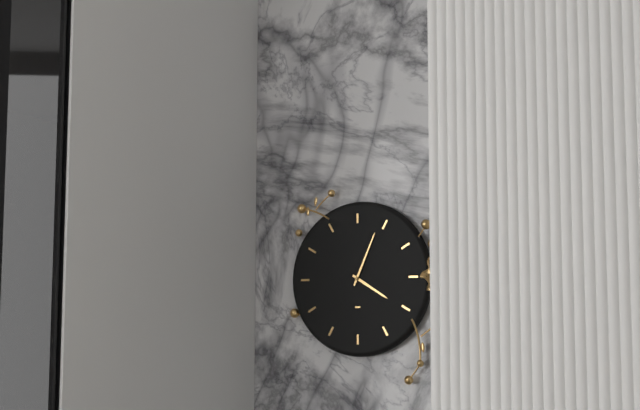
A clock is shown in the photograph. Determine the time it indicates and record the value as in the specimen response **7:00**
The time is **4:04**
